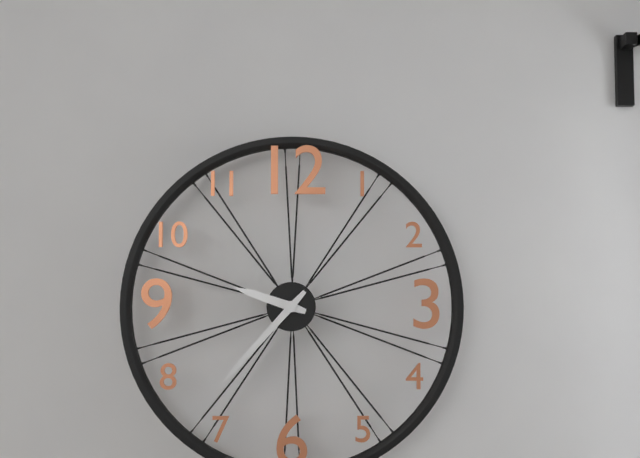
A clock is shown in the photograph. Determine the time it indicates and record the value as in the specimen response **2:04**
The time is **9:37**
